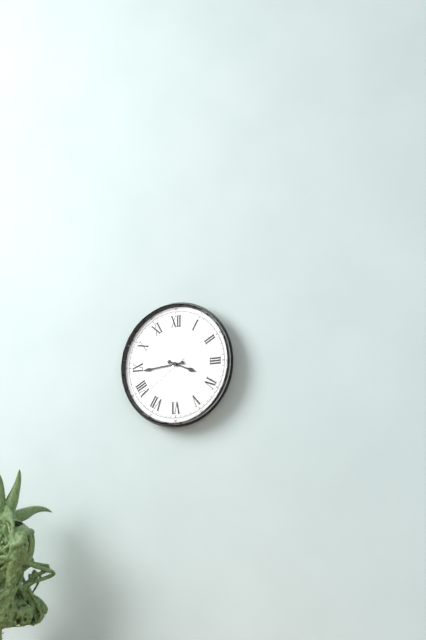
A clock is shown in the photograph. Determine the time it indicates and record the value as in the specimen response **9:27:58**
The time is **3:44:39**
